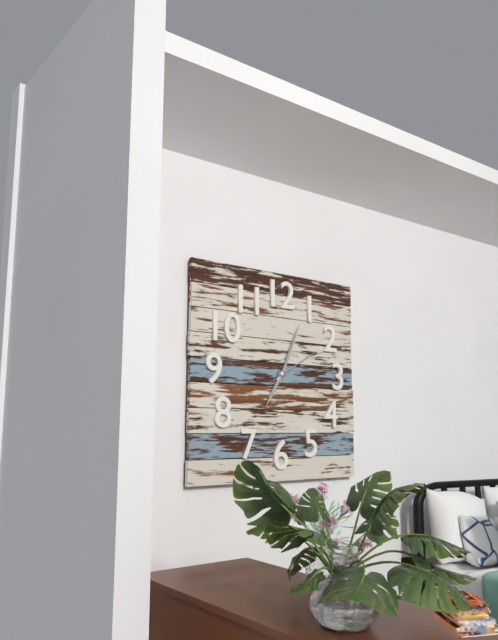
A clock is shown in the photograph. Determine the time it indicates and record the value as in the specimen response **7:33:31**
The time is **7:04:10**
